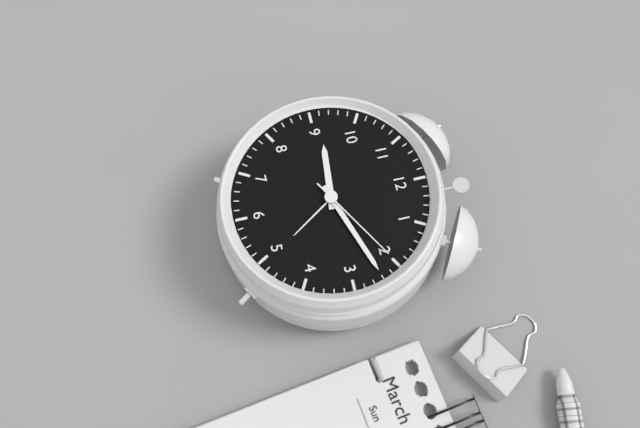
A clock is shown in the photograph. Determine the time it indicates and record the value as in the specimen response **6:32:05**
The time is **9:12:10**
